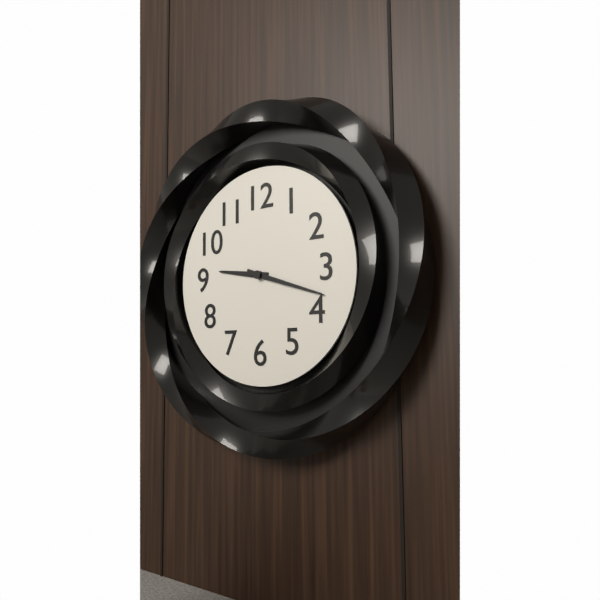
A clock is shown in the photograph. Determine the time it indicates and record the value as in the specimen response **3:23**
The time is **9:18**
